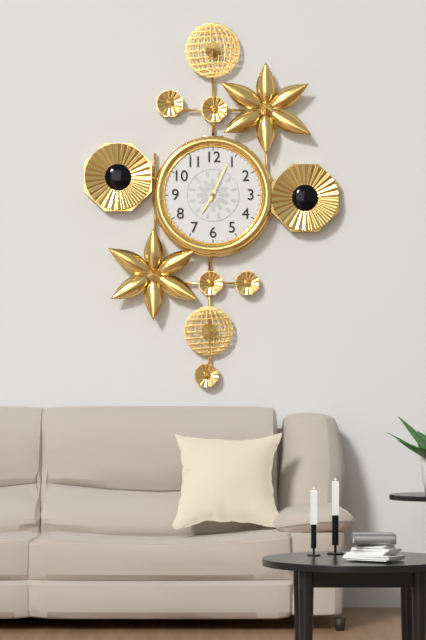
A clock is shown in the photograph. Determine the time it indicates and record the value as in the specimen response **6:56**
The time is **7:04**
